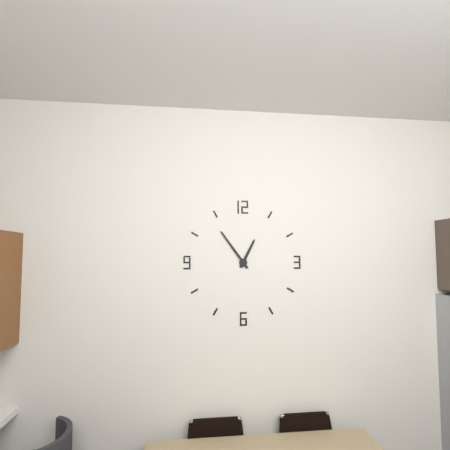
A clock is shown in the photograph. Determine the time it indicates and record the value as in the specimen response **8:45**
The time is **12:54**
